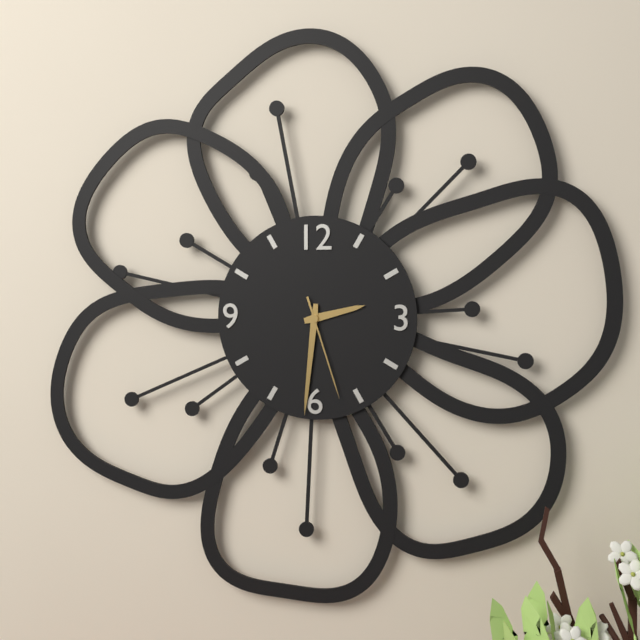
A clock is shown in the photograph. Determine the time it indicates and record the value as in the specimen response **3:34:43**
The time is **2:31:27**
